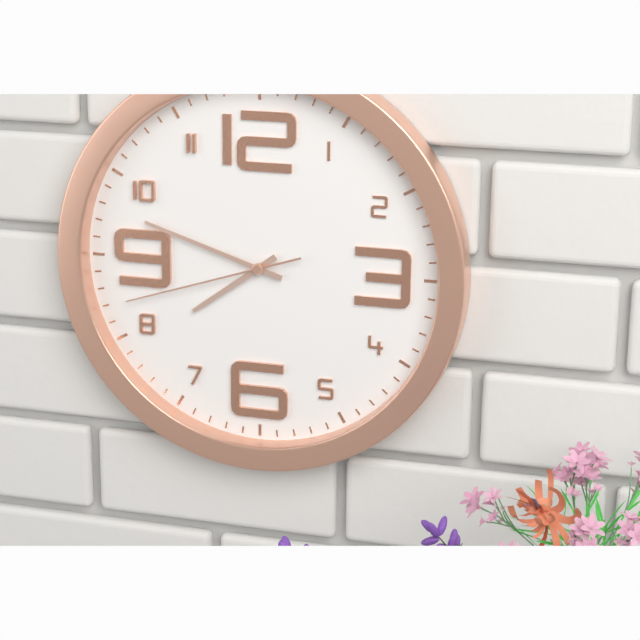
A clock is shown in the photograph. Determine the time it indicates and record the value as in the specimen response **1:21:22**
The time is **7:48:42**
